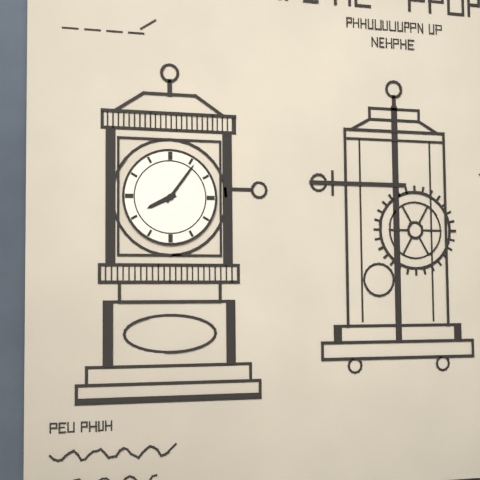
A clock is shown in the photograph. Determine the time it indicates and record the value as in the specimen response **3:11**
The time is **8:06**
